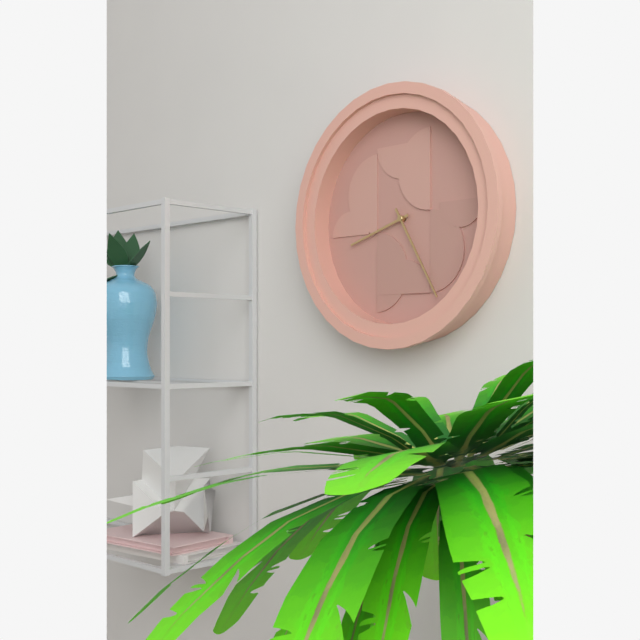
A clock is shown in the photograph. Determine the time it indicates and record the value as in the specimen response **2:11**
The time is **8:25**
